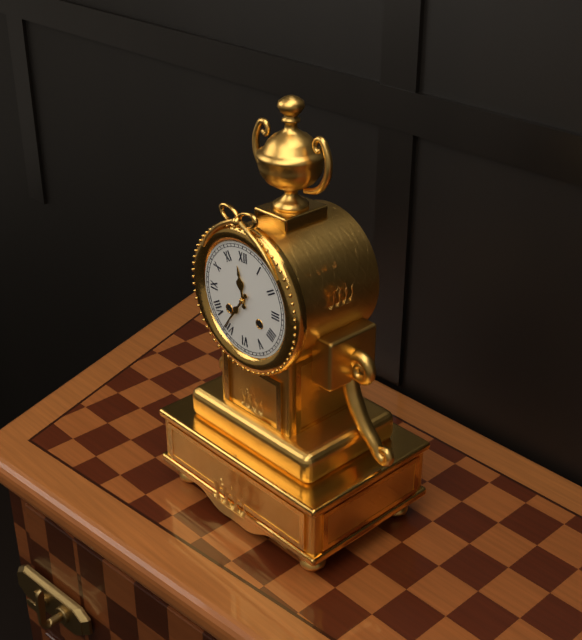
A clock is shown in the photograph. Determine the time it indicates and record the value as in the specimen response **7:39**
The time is **11:36**
